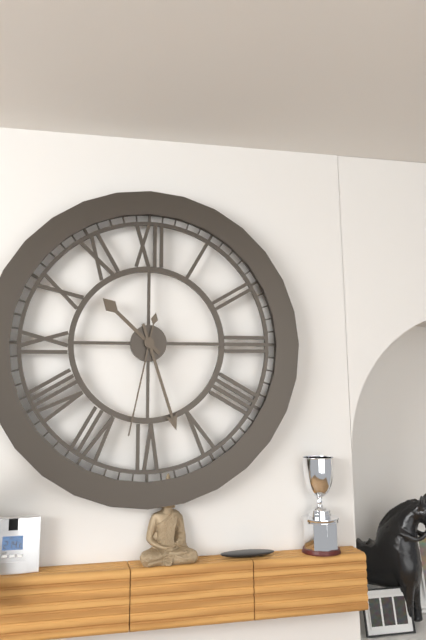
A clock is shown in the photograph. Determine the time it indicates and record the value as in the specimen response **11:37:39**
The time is **10:27:32**
